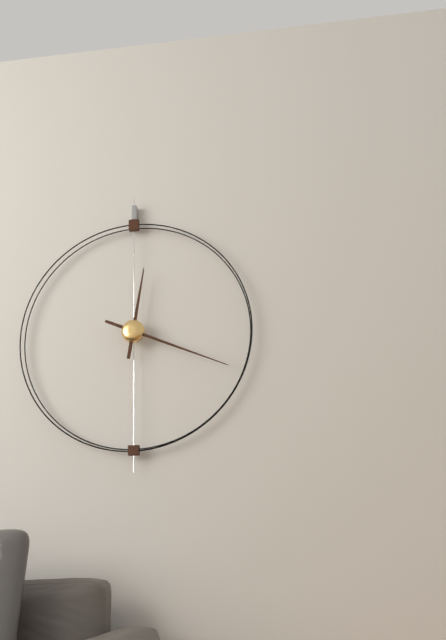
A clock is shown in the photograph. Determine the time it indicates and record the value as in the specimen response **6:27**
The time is **12:19**
